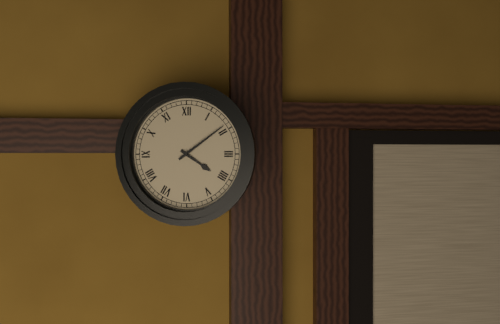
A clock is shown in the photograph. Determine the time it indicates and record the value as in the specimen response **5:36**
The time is **4:09**
